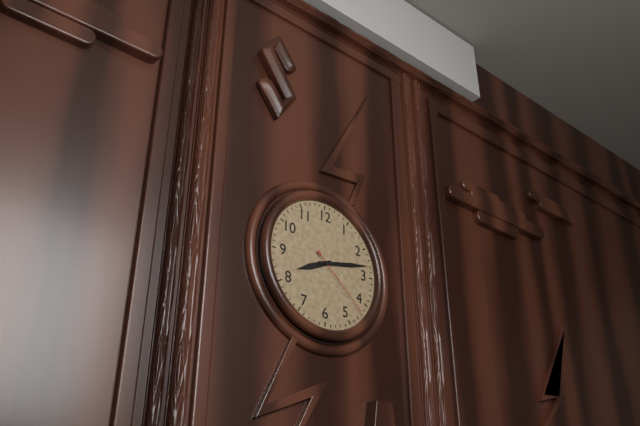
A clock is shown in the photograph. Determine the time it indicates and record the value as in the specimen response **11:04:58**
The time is **8:13:22**
